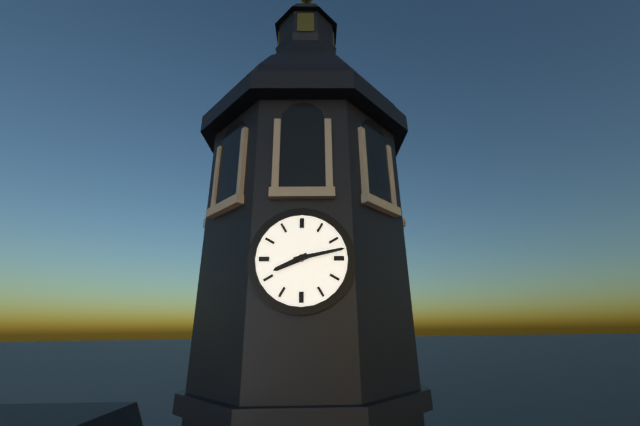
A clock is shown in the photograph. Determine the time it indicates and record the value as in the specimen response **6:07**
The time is **8:13**
